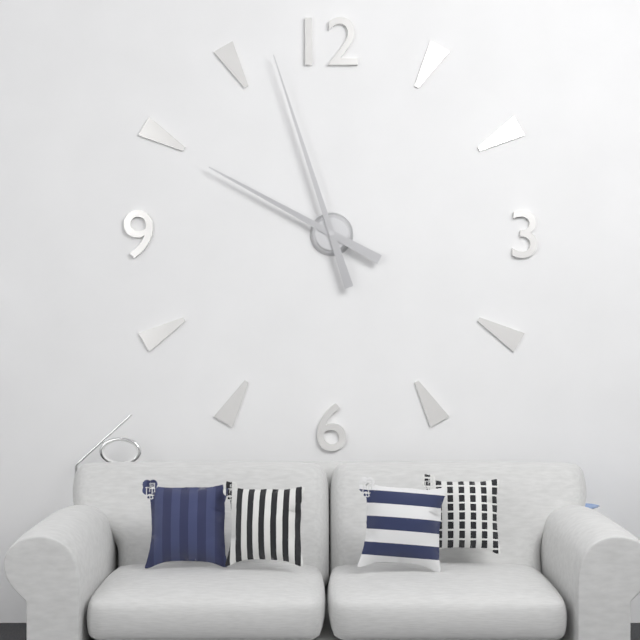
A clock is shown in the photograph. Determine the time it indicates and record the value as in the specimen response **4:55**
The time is **9:57**
